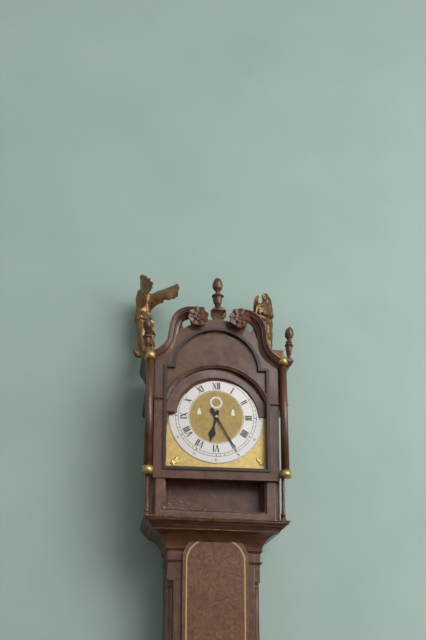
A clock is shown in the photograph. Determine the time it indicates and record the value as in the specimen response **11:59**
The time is **6:25**
